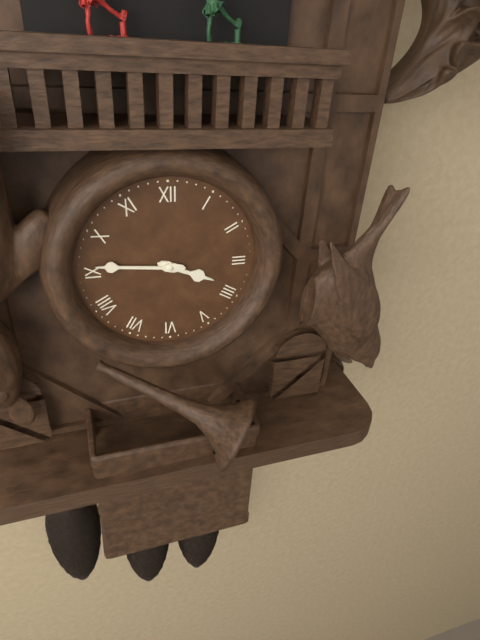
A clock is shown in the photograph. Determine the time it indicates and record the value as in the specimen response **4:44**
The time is **3:46**
